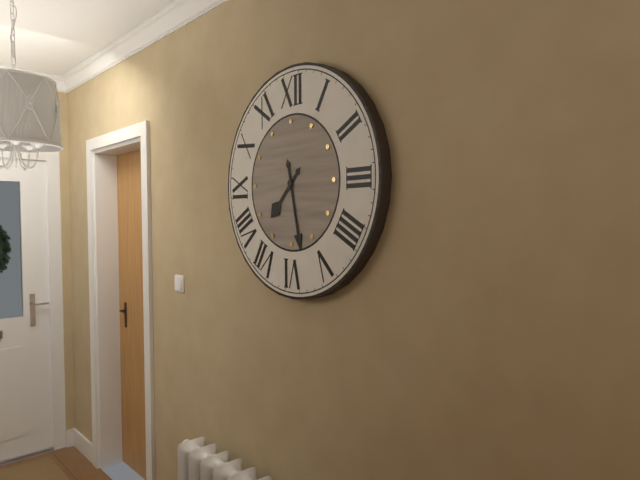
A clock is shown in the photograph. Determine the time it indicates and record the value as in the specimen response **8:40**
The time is **7:28**
